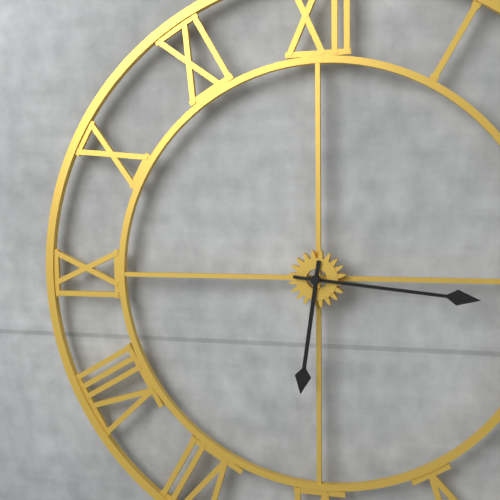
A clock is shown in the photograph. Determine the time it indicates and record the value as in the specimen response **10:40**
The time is **6:16**
